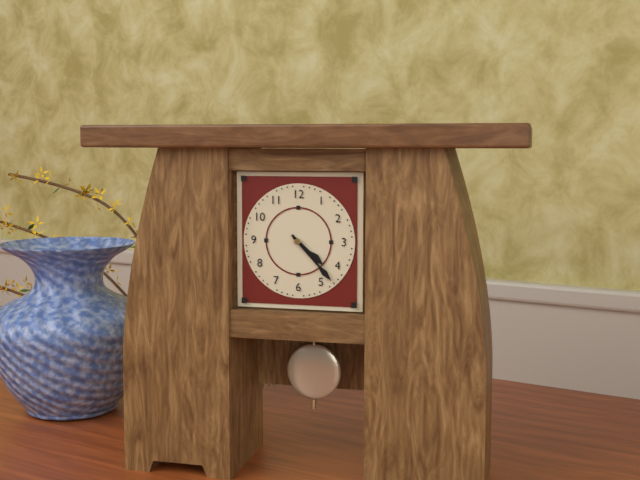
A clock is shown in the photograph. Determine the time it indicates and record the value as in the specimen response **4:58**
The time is **4:23**
